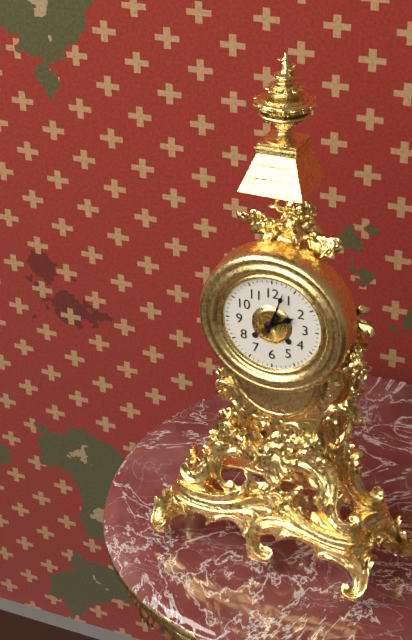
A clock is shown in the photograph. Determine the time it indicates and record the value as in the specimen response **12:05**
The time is **2:03**
